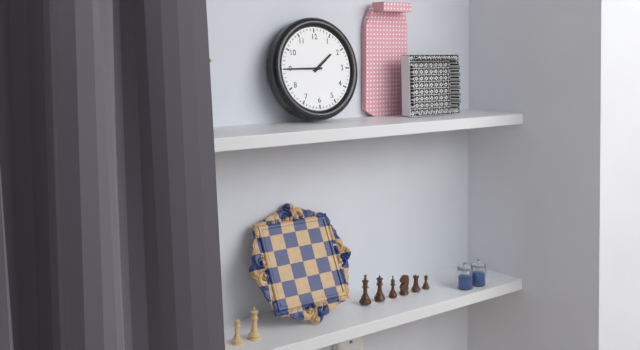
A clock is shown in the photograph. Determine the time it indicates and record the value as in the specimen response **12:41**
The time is **1:45**
